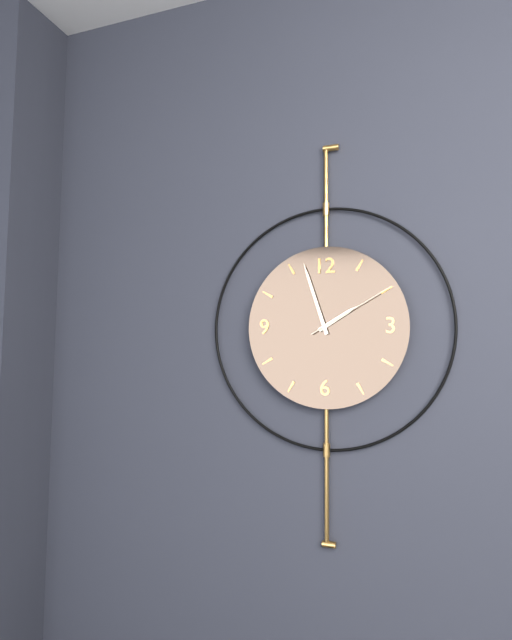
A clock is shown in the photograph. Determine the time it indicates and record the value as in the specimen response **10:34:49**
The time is **1:57:10**
